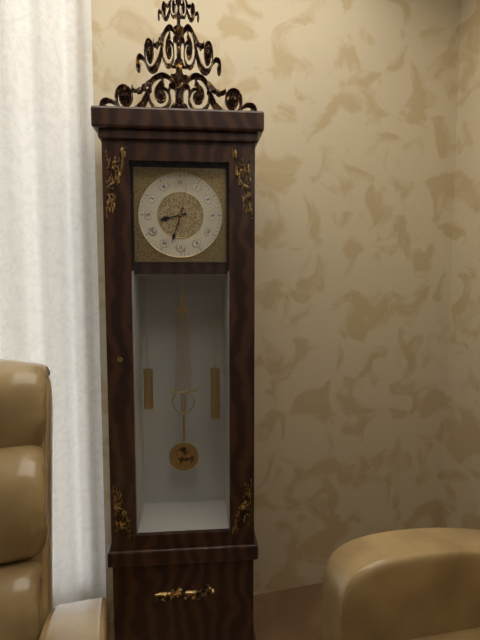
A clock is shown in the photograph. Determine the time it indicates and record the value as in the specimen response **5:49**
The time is **8:33**
